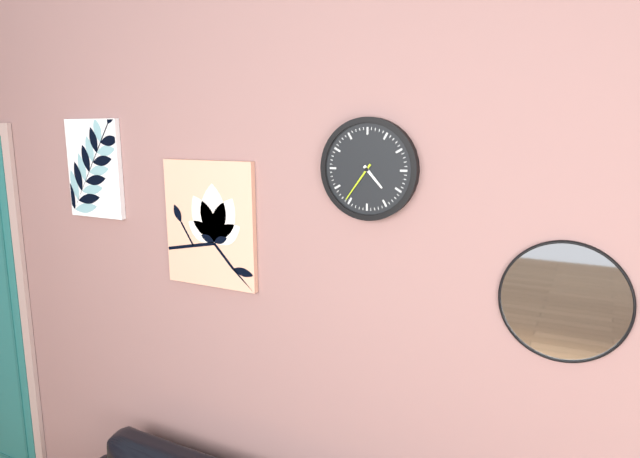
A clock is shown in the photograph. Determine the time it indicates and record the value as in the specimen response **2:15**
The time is **4:36**
